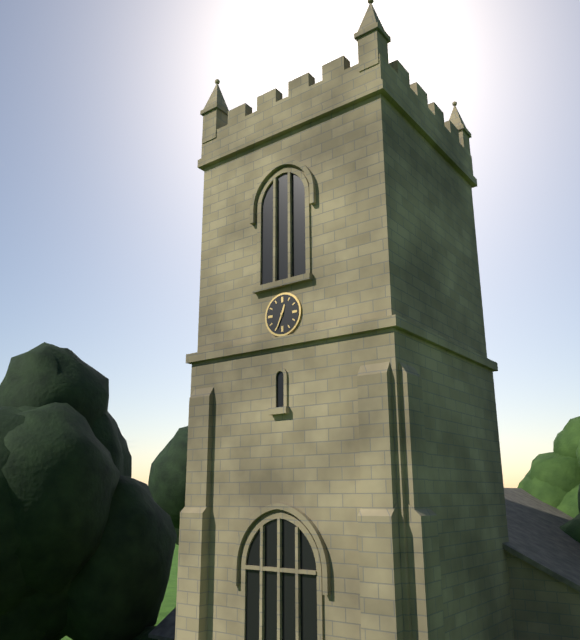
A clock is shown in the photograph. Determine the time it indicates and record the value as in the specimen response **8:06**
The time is **12:34**
